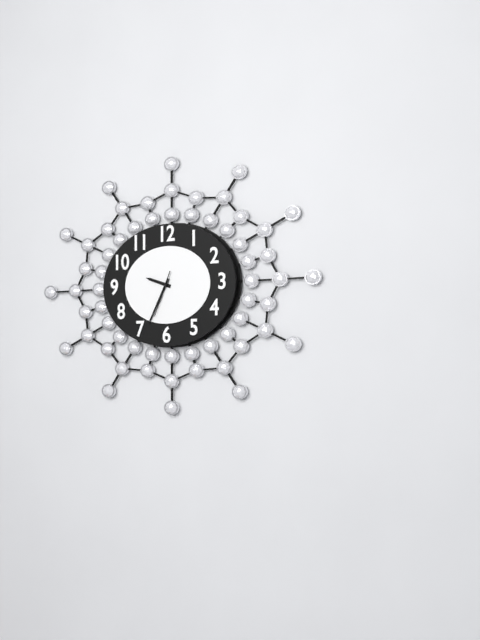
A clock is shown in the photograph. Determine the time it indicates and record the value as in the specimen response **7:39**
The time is **9:35**
